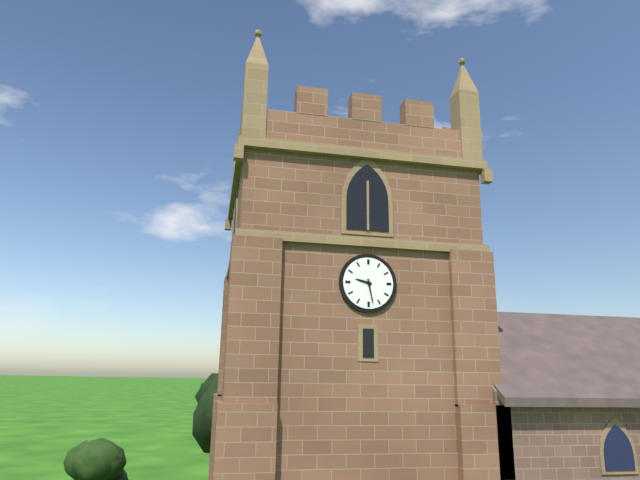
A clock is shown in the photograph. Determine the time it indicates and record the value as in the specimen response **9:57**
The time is **9:28**
